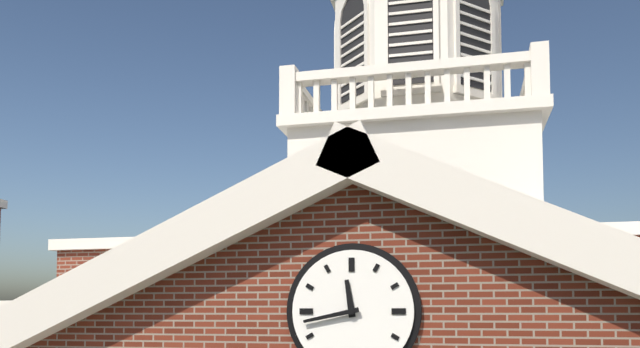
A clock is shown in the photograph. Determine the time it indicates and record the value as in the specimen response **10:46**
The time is **11:43**
